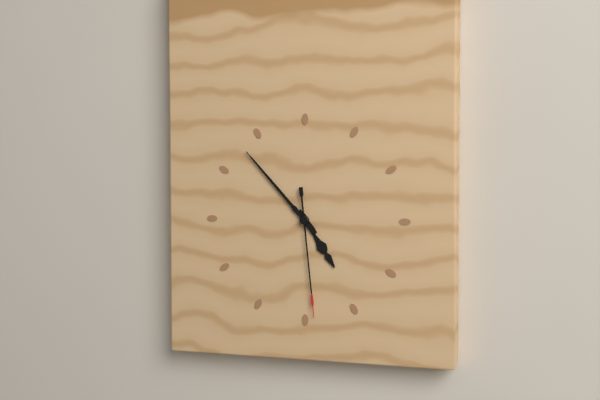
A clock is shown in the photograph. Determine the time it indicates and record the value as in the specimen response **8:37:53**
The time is **4:53:29**
